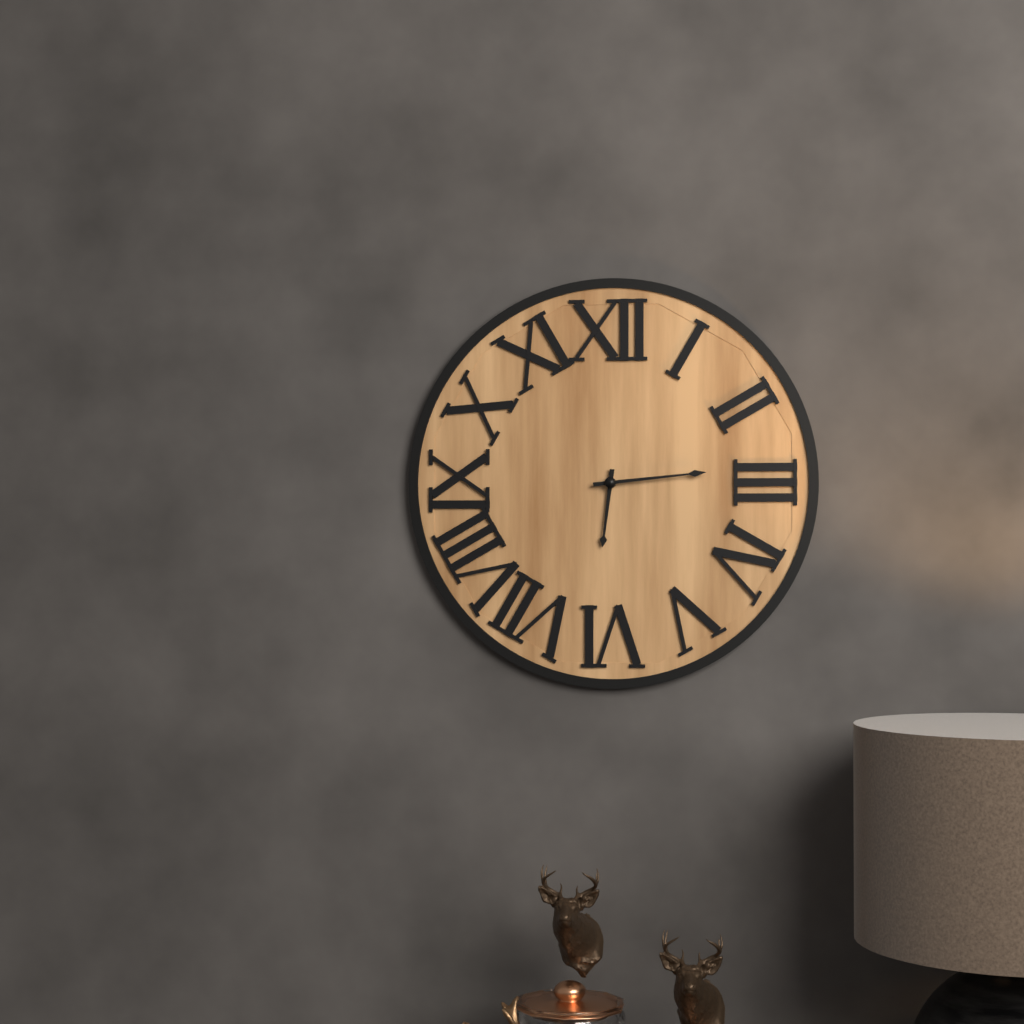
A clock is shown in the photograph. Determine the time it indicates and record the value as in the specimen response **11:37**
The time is **6:14**
